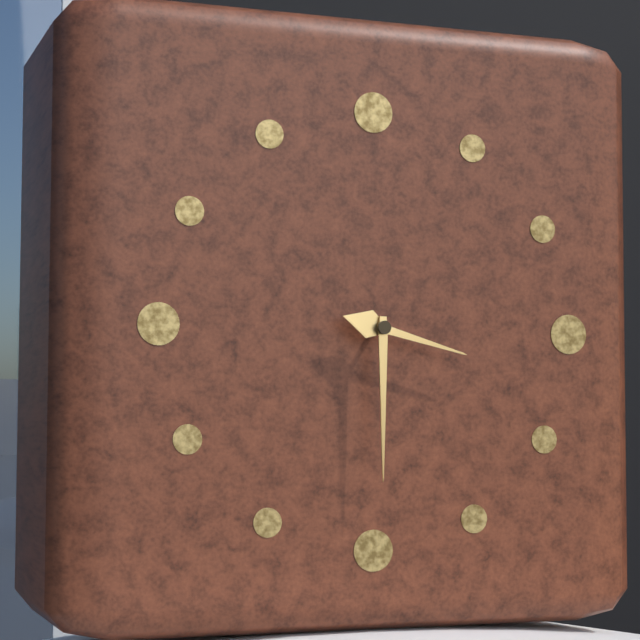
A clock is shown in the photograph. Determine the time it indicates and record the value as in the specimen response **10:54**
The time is **3:30**
